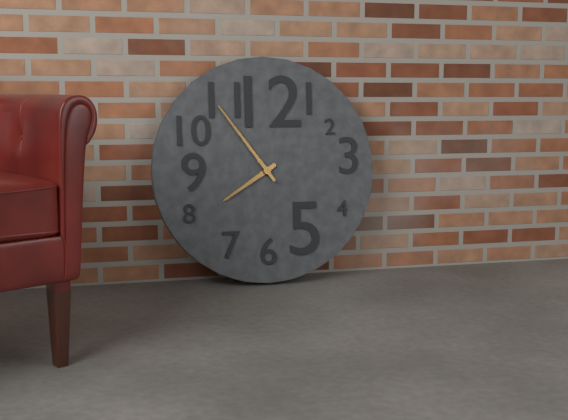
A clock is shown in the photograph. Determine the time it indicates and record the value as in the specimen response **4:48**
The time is **7:54**
